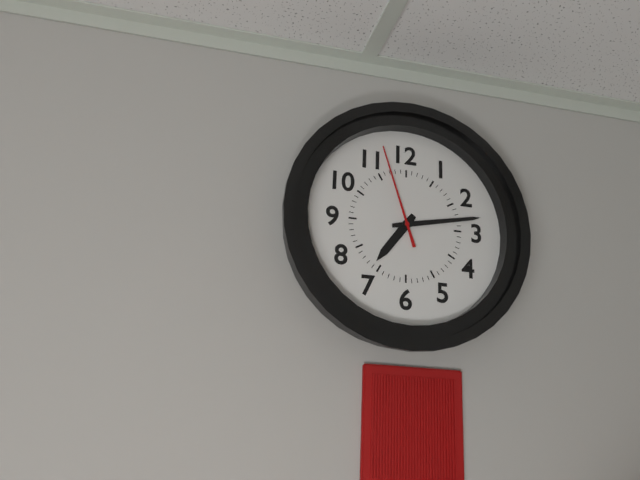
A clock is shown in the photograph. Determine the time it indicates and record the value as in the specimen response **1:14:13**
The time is **7:13:57**
